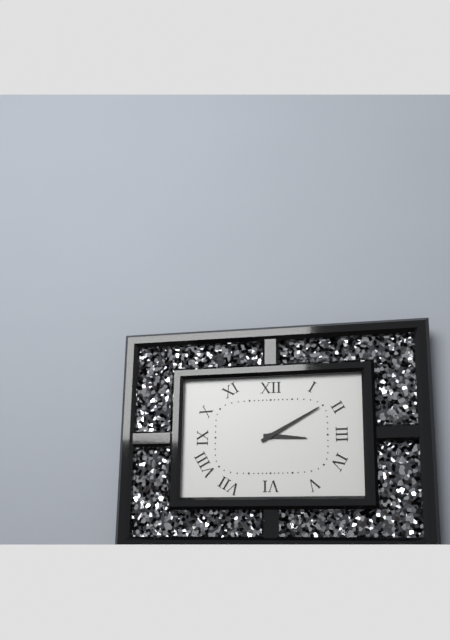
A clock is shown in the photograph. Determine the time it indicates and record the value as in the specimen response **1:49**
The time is **3:10**
